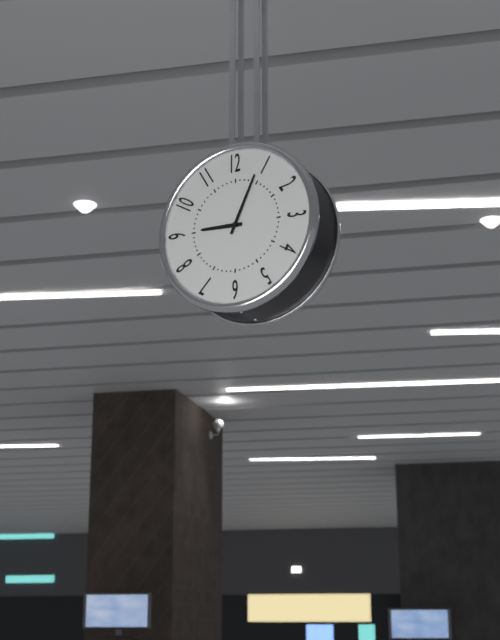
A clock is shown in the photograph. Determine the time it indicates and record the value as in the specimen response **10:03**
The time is **9:04**
